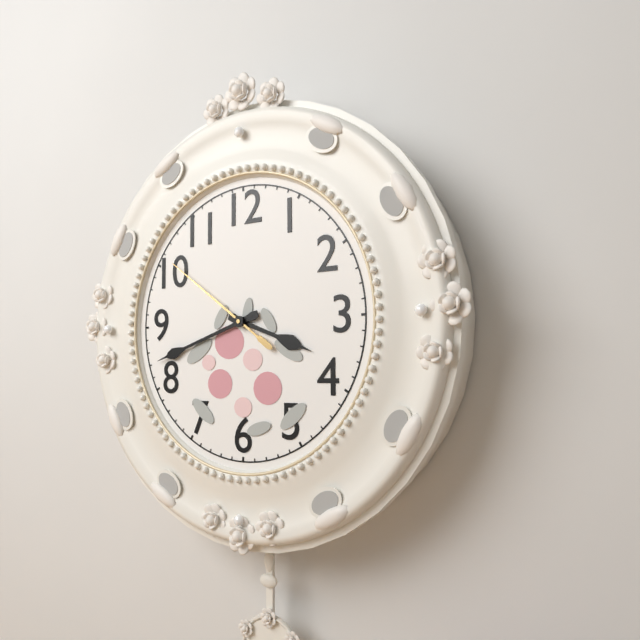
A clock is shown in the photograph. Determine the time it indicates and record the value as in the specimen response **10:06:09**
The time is **3:42:51**
